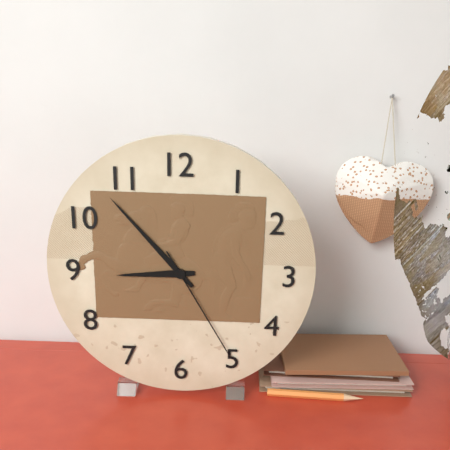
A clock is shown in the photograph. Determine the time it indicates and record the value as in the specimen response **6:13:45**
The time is **8:53:25**
